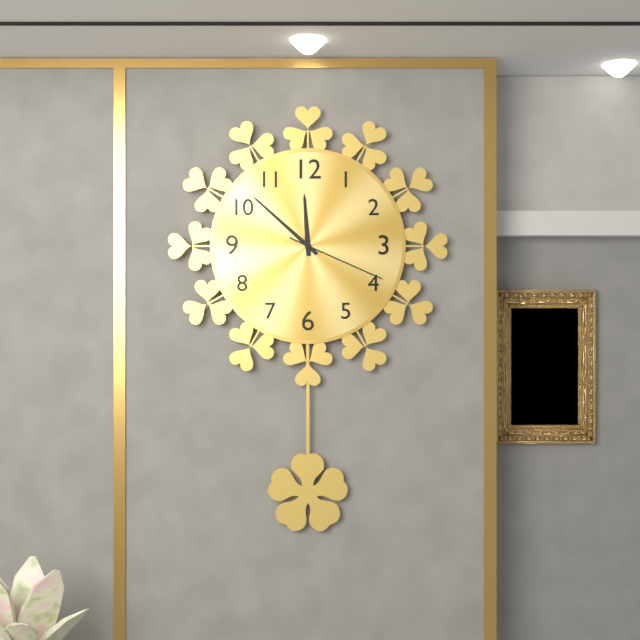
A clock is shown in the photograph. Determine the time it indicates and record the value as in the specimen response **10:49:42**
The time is **11:52:19**
